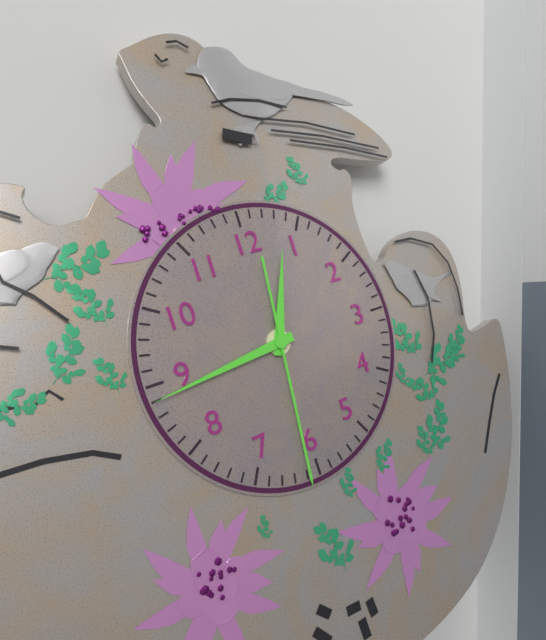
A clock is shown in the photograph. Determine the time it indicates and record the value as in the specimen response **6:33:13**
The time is **12:44:31**
